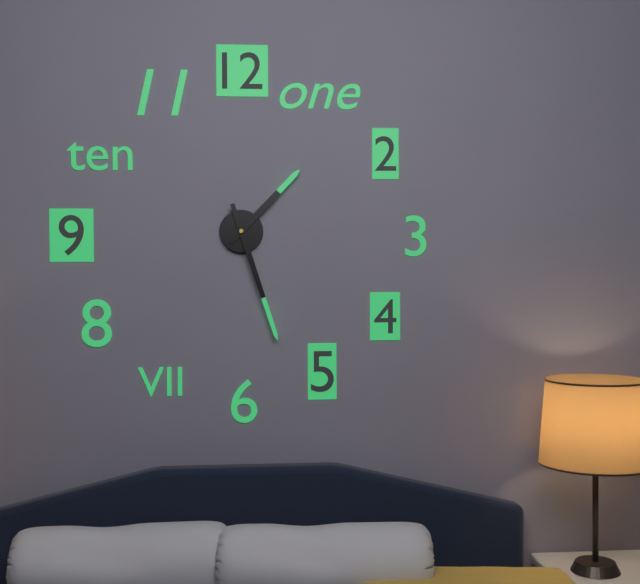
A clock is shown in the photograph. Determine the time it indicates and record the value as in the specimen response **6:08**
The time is **1:27**
